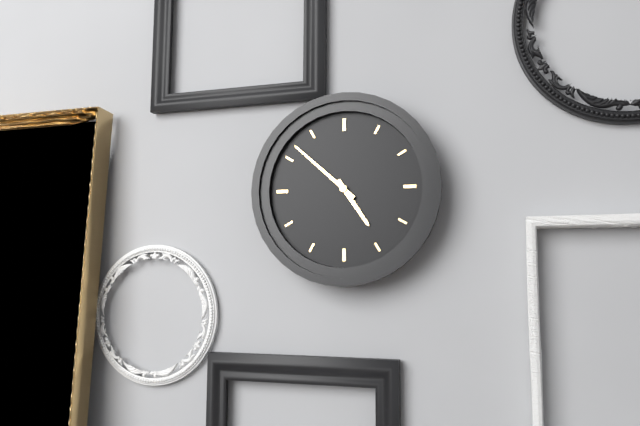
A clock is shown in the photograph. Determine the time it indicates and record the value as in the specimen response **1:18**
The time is **4:52**
